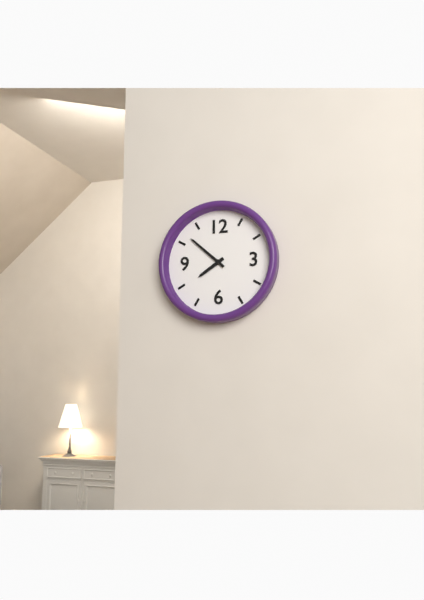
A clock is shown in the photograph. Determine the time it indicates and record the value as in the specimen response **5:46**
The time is **7:52**
